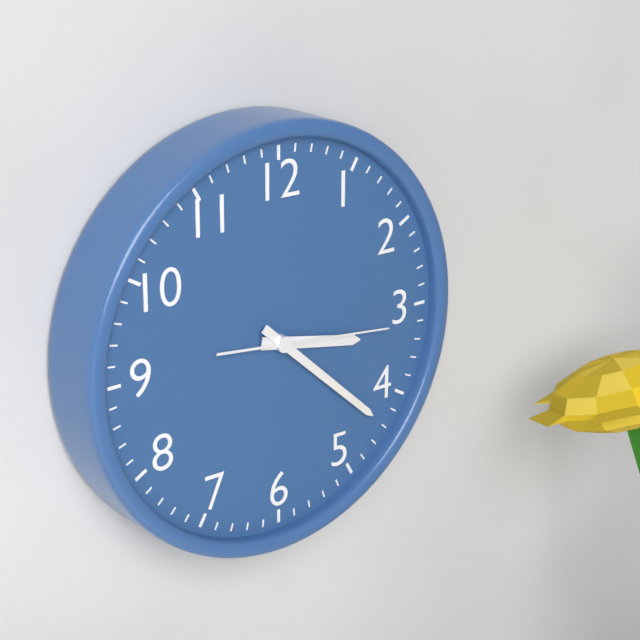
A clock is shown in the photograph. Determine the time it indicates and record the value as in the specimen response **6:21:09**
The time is **3:22:16**
